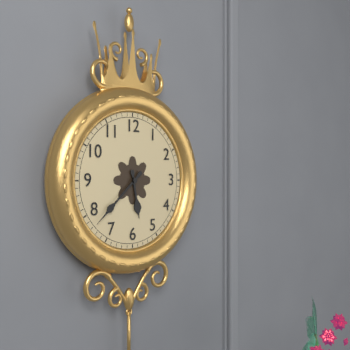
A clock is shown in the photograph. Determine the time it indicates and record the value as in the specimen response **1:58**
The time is **5:38**
